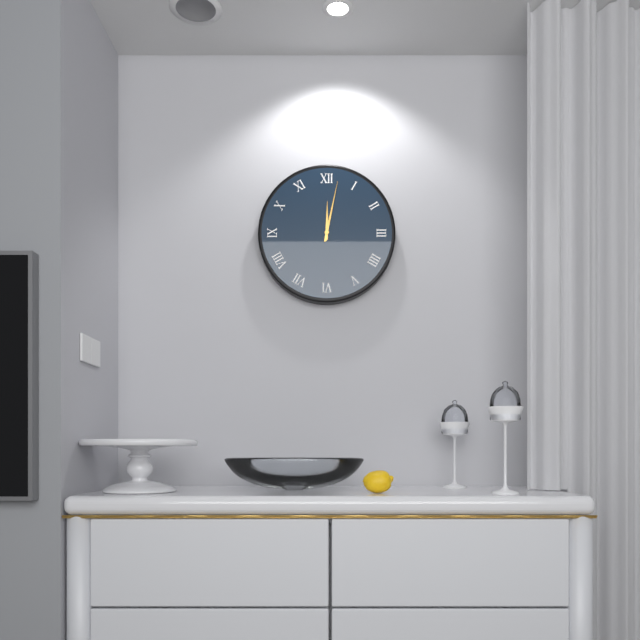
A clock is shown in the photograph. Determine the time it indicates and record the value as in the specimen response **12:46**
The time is **12:02**
